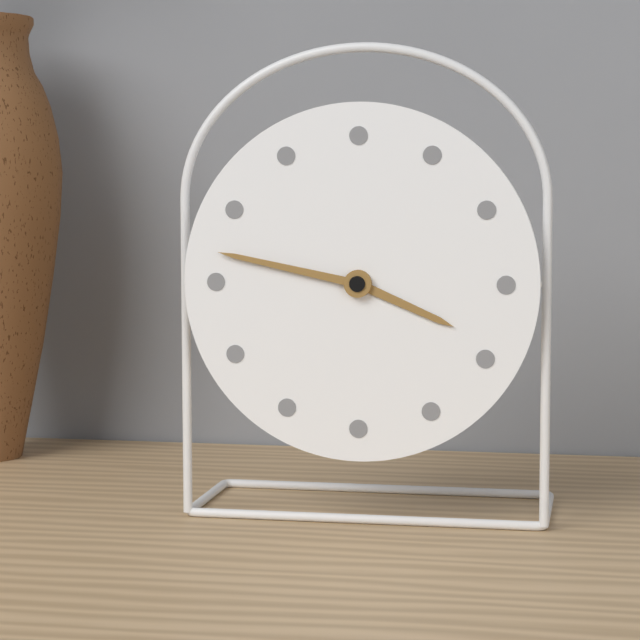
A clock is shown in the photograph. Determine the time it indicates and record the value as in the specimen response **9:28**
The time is **3:47**
